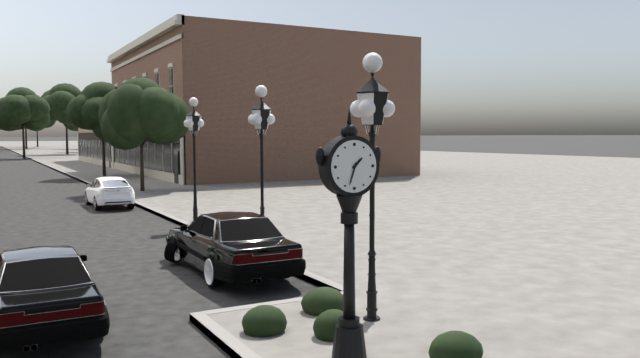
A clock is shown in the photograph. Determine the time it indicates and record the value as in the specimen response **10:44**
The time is **1:33**
